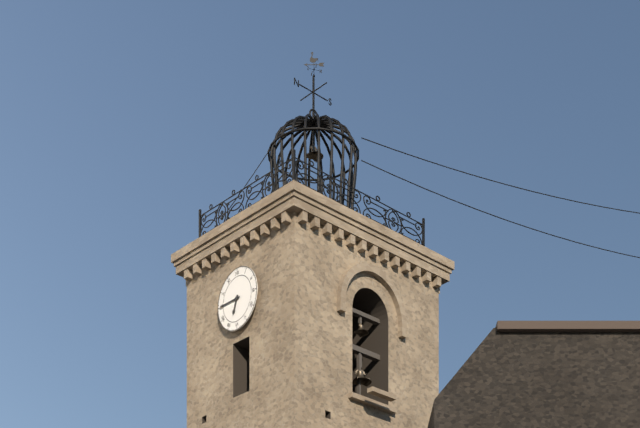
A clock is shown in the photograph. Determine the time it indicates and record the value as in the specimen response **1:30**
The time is **6:45**
